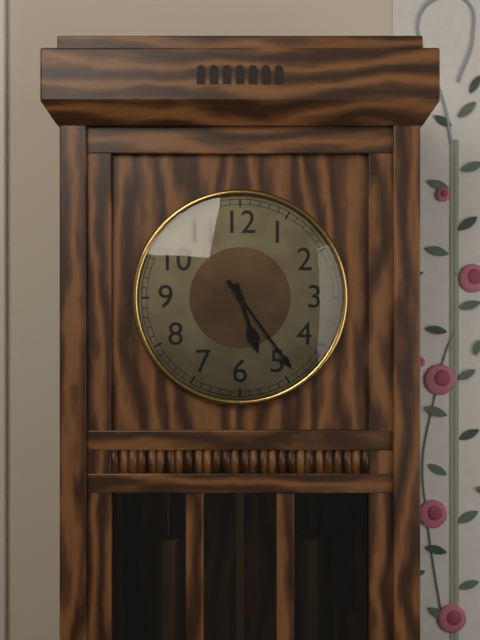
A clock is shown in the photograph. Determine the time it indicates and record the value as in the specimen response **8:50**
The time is **5:24**
